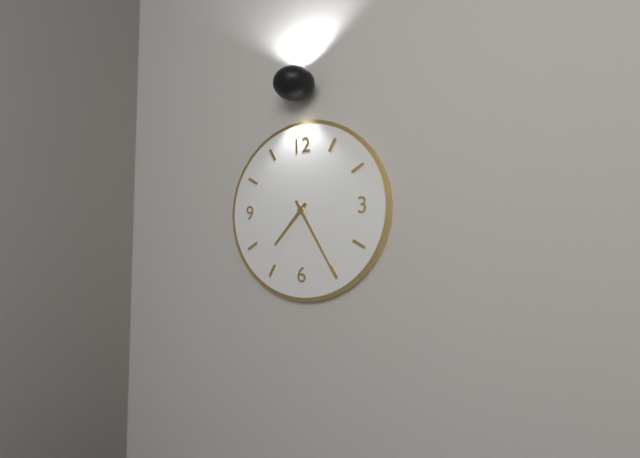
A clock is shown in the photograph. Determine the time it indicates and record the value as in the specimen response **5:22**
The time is **7:25**
